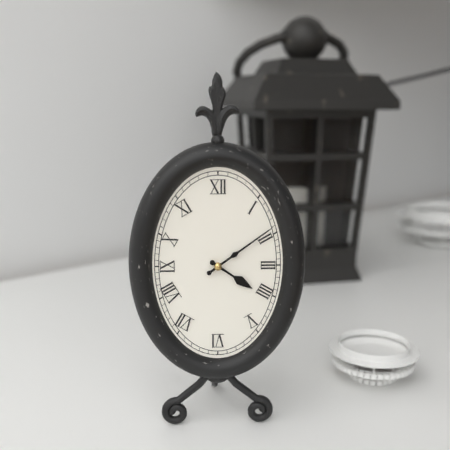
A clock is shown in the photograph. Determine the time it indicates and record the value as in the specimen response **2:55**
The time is **4:09**
